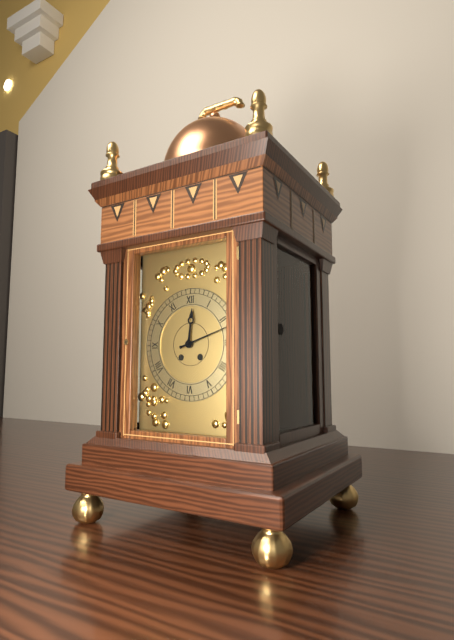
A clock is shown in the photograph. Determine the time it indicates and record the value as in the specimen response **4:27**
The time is **12:12**
